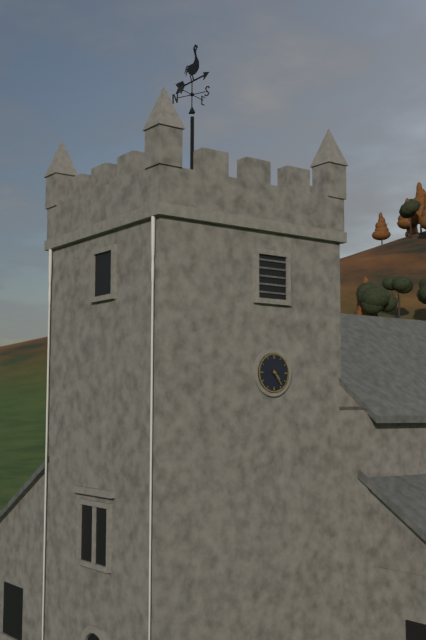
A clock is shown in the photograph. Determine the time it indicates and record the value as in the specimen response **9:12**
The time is **4:24**
